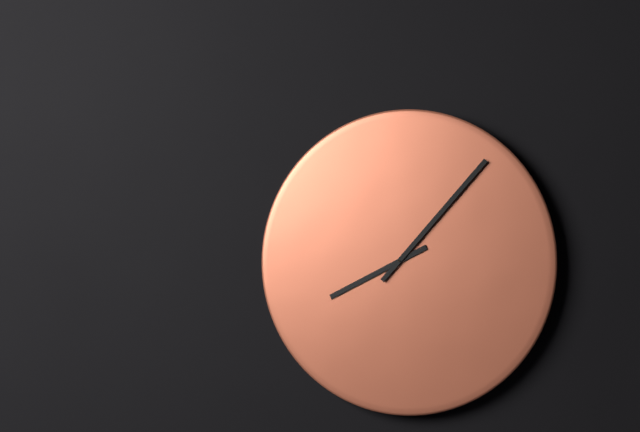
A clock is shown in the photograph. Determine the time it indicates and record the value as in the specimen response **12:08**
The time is **8:07**
